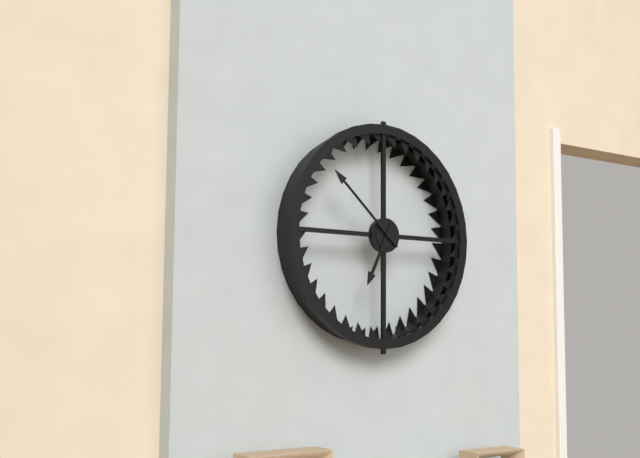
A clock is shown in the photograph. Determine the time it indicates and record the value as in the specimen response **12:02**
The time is **6:52**
